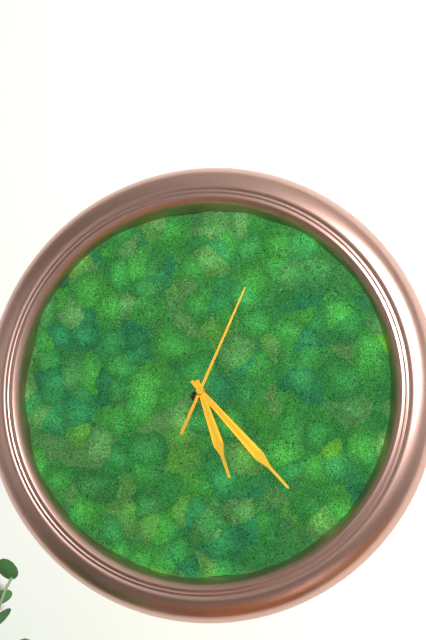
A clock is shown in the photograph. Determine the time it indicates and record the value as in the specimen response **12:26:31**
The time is **5:23:04**
